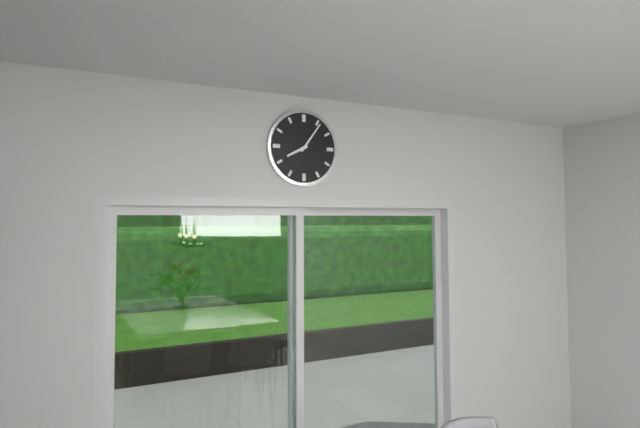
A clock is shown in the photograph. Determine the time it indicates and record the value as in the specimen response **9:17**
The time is **8:06**
